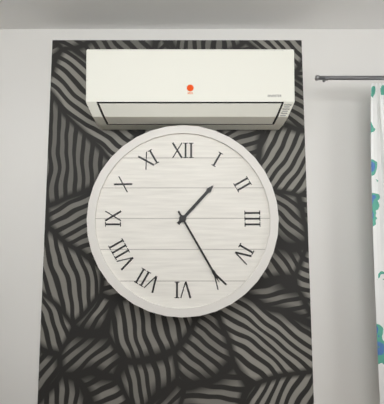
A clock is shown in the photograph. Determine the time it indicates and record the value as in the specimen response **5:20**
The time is **1:25**
